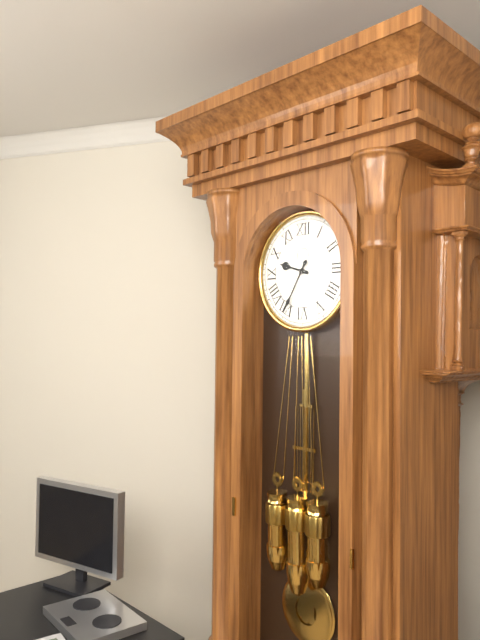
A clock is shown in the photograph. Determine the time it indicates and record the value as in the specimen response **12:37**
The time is **9:35**
